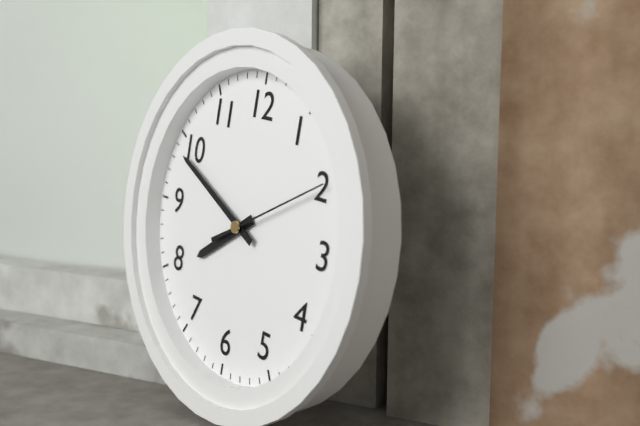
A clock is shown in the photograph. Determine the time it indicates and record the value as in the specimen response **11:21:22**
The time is **7:49:10**
